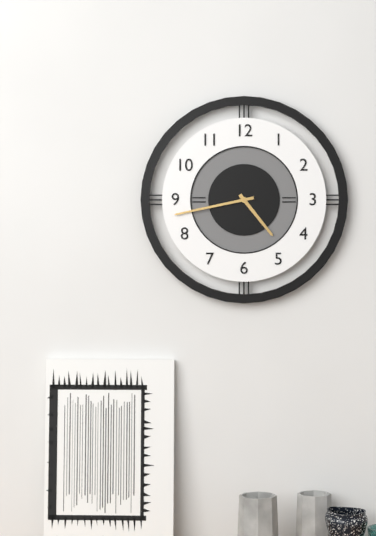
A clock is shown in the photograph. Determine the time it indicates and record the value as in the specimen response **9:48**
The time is **4:43**
